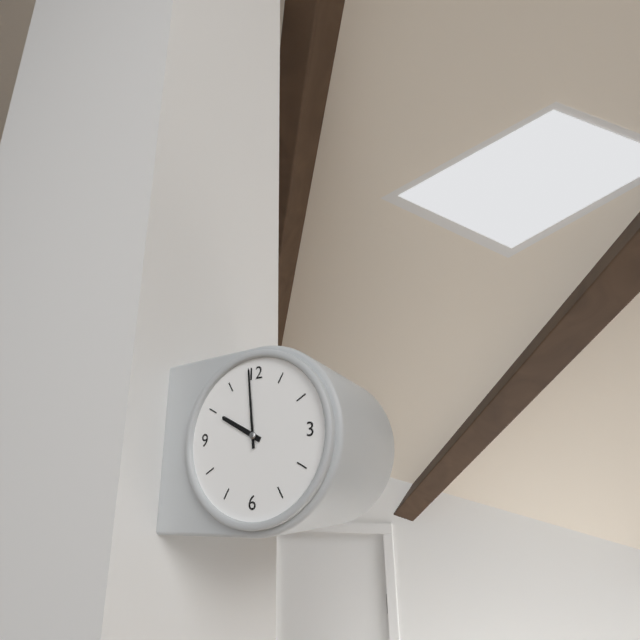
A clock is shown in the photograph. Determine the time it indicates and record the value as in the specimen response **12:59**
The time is **9:59**
